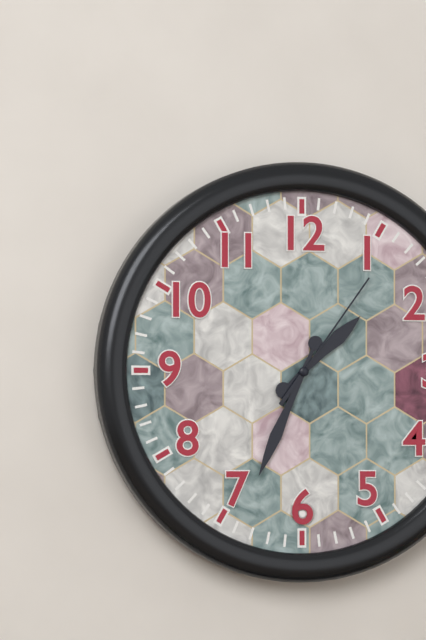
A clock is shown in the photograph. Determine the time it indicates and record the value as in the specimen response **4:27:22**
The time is **1:34:06**
